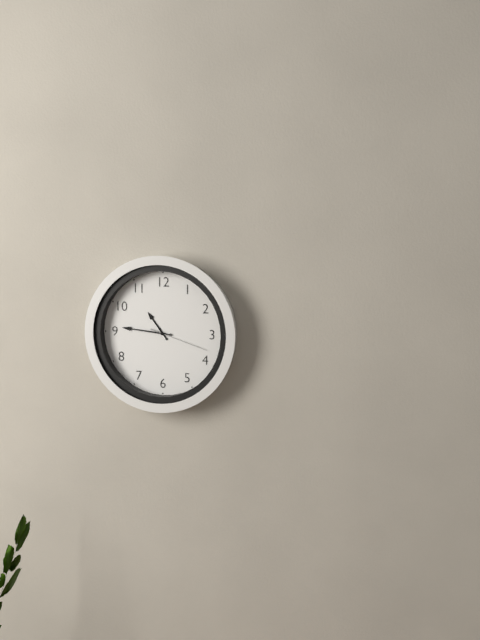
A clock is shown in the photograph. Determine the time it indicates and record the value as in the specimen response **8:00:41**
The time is **10:46:18**
